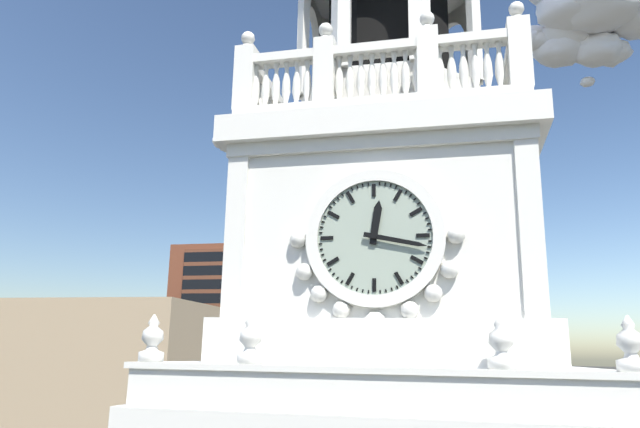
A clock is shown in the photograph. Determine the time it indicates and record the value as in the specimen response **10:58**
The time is **12:17**
